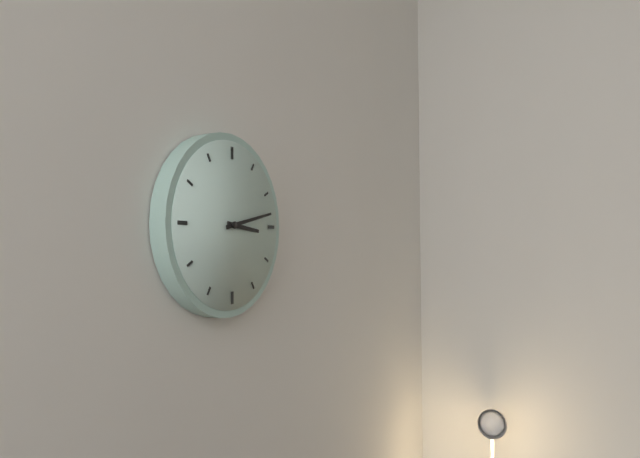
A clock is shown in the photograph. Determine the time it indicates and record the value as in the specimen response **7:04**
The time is **3:13**
